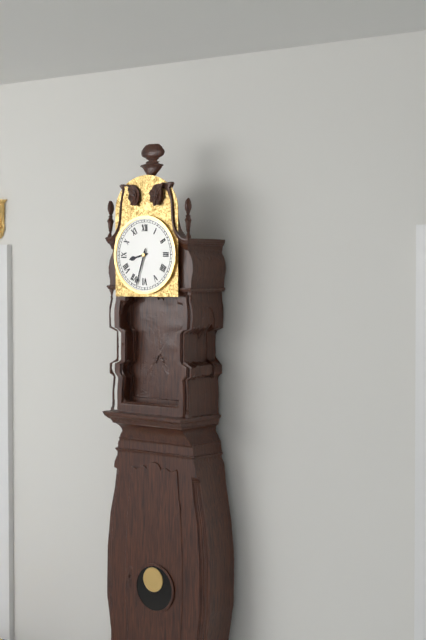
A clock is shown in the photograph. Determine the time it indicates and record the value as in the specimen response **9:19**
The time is **8:33**
